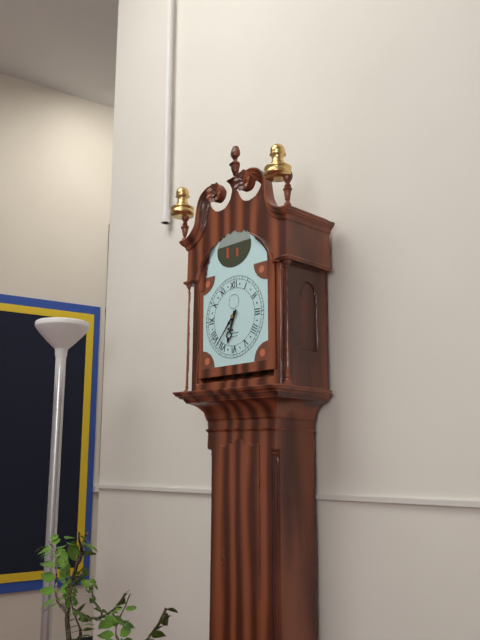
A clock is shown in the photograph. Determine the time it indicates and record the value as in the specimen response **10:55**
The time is **6:37**
